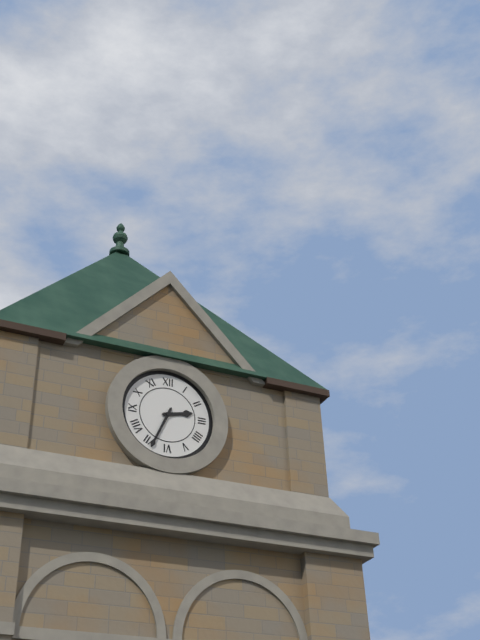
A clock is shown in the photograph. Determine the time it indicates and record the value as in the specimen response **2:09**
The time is **2:34**
